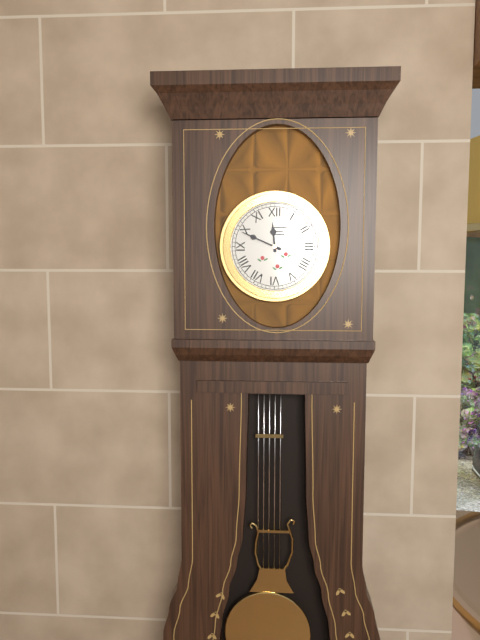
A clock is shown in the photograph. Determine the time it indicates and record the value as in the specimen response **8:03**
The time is **11:49**
